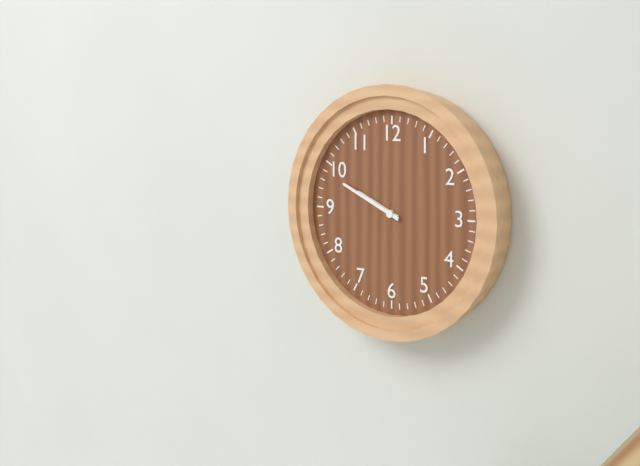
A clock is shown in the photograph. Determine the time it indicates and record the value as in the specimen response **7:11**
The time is **9:49**
